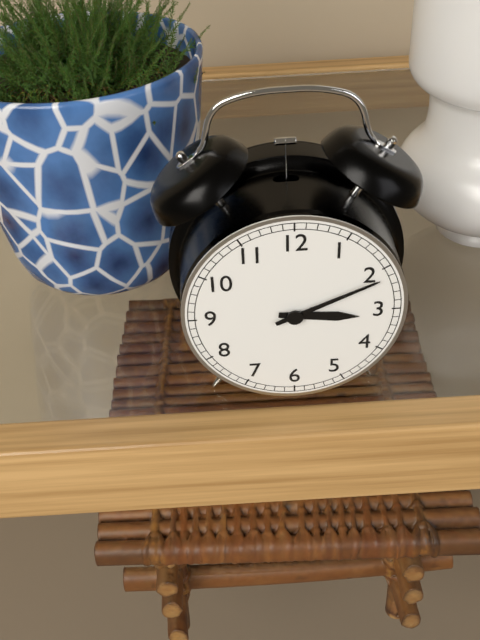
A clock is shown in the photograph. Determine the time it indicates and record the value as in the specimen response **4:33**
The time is **3:11**
